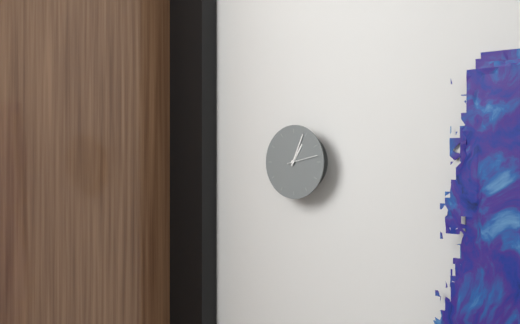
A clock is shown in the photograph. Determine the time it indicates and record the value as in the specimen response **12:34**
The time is **1:04**
